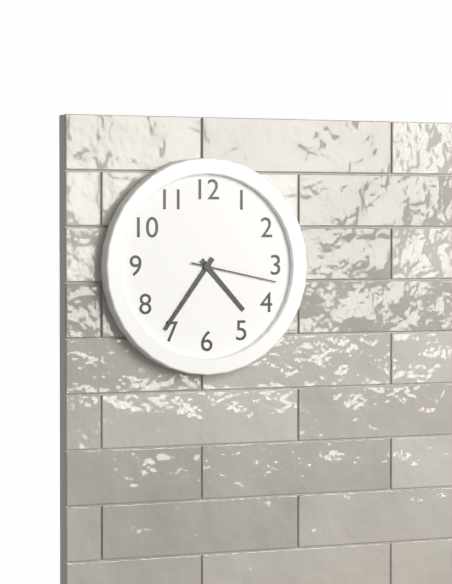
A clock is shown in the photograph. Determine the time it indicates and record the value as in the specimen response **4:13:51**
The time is **4:36:17**
